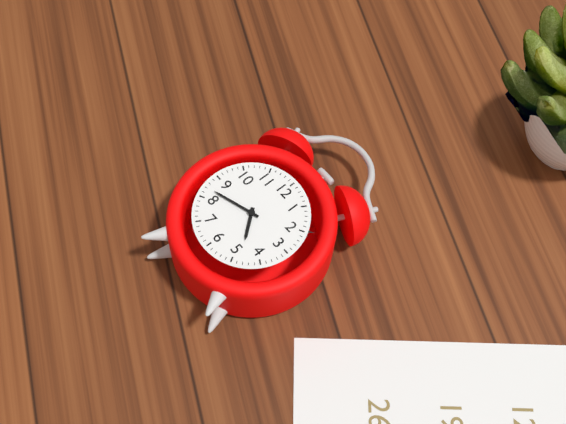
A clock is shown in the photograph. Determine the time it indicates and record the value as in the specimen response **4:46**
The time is **4:42**
